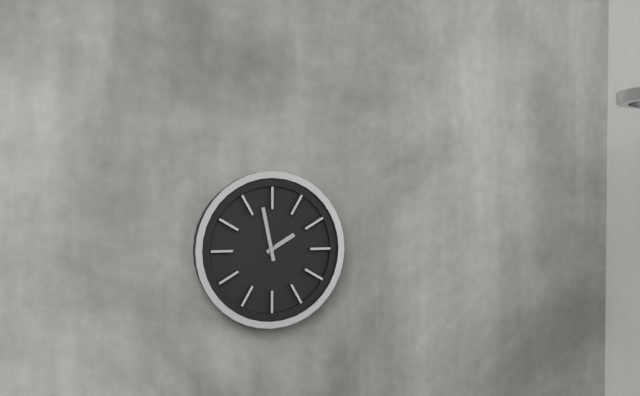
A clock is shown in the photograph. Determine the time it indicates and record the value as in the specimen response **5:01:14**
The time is **1:58:05**
